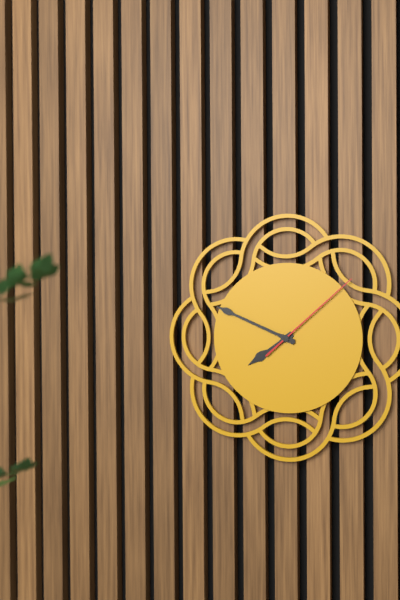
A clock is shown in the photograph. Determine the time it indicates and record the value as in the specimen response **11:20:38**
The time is **7:49:08**
